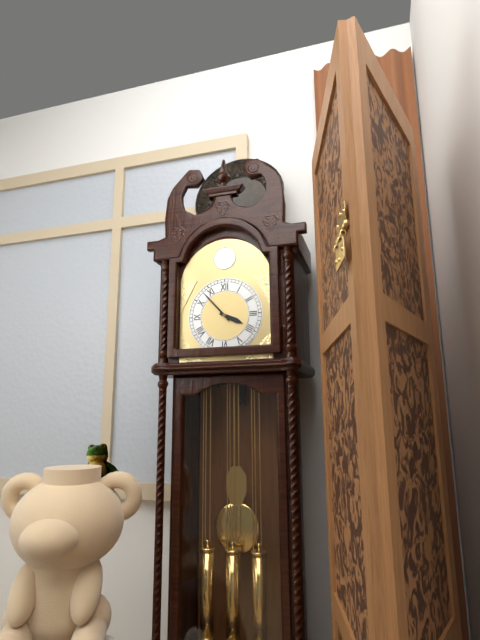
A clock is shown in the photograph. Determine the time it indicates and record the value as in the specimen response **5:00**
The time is **3:53**
